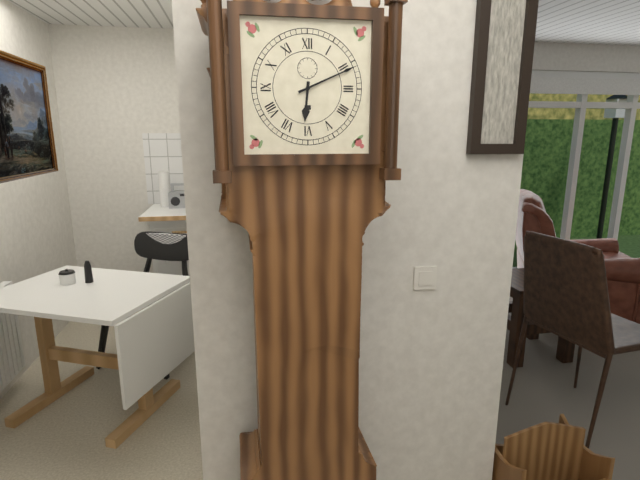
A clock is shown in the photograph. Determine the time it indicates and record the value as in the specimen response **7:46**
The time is **6:11**
